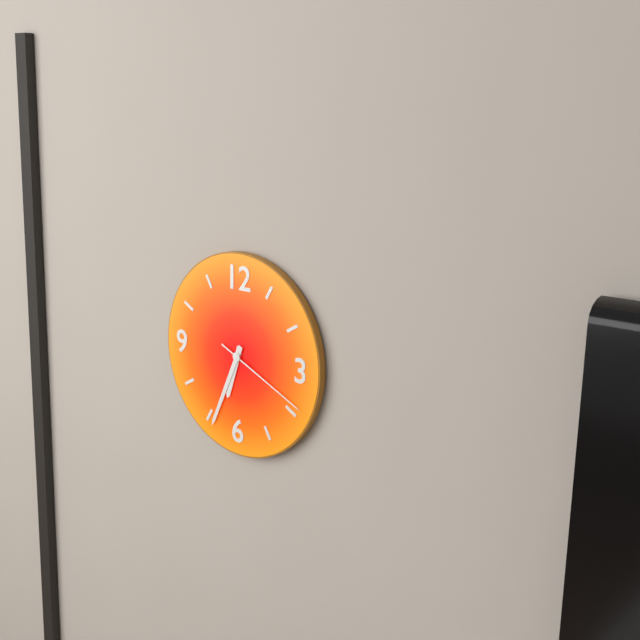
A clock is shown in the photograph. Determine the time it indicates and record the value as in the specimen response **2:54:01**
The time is **6:34:19**
